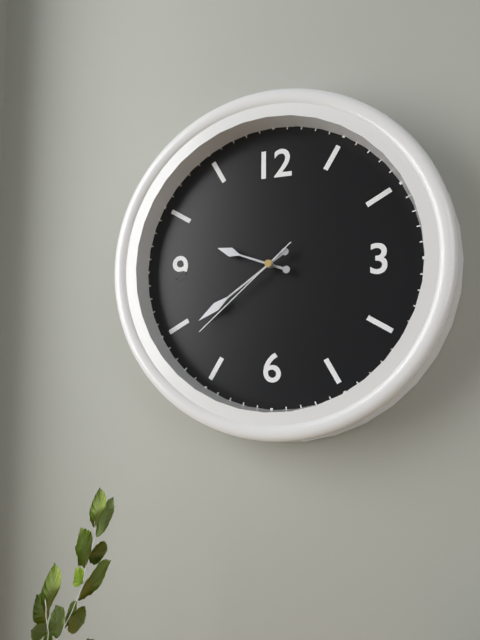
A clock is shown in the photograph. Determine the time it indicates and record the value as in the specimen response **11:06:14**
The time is **9:39:38**
